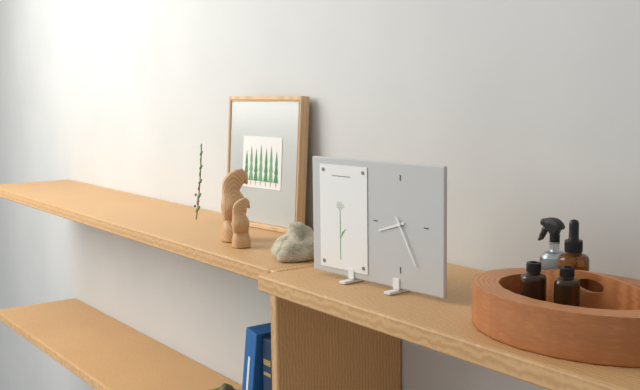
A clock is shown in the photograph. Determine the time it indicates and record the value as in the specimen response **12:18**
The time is **8:25**
